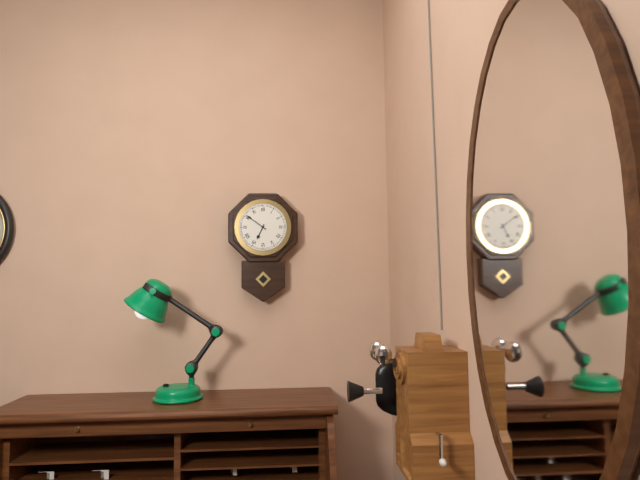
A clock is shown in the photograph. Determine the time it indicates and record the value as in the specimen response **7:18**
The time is **6:51**
